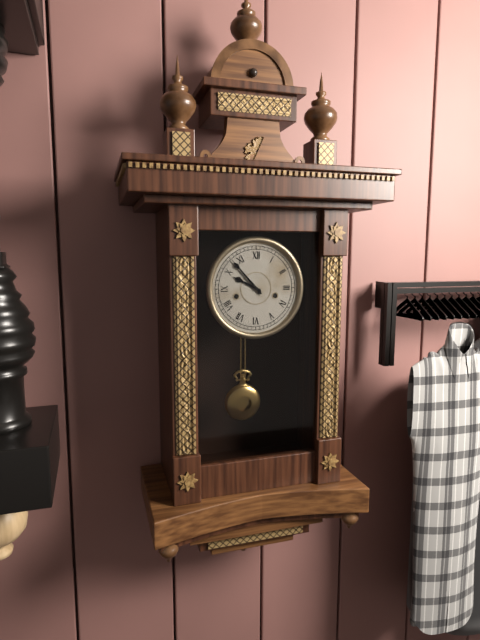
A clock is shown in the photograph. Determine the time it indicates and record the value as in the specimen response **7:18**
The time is **9:53**
